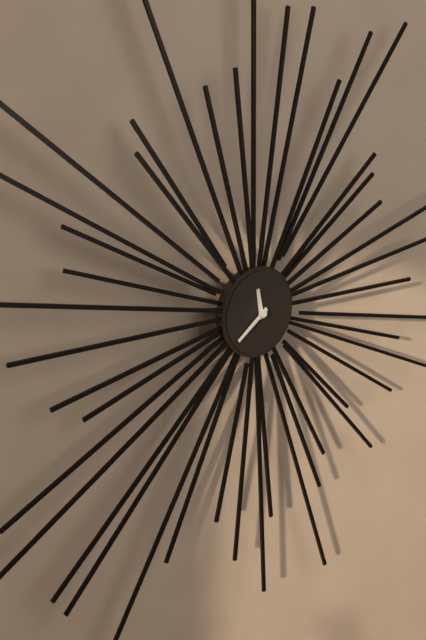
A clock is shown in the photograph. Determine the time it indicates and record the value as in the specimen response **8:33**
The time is **11:39**
